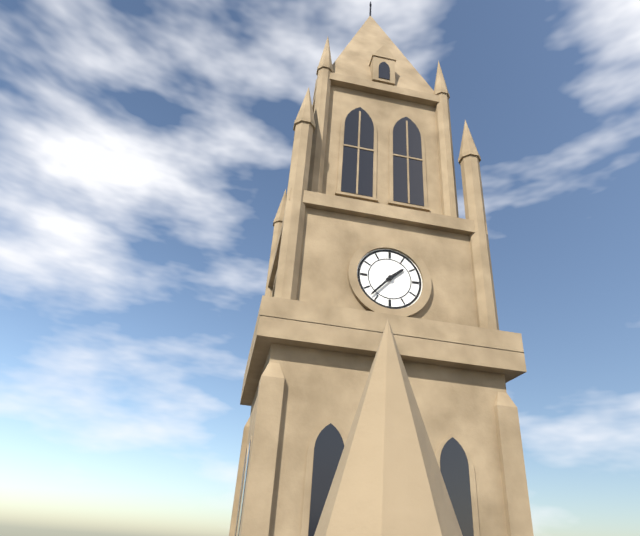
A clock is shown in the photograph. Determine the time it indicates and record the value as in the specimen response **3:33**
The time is **1:37**
